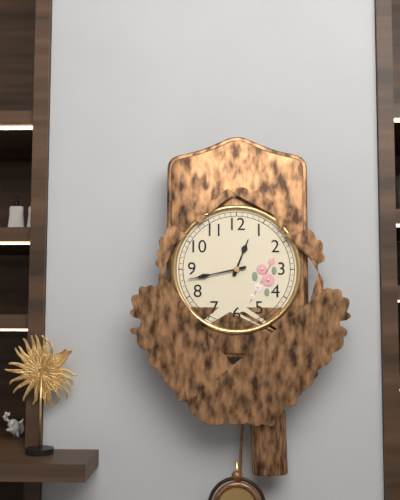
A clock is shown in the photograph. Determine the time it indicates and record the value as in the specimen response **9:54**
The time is **12:43**
